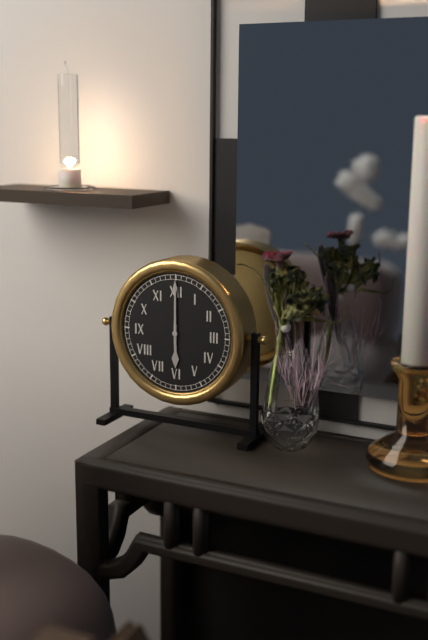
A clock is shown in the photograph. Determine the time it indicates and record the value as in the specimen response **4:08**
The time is **6:00**
